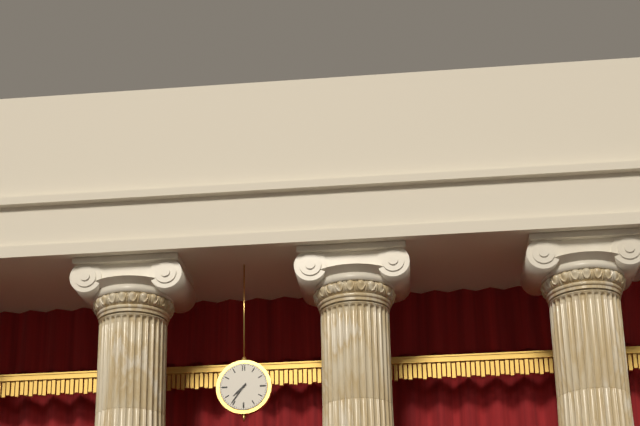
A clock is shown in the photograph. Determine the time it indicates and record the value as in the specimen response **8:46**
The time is **7:36**
